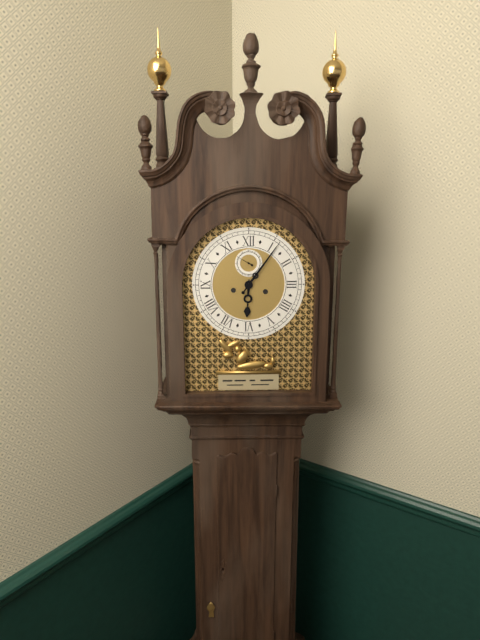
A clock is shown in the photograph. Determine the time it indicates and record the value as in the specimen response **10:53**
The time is **6:06**
